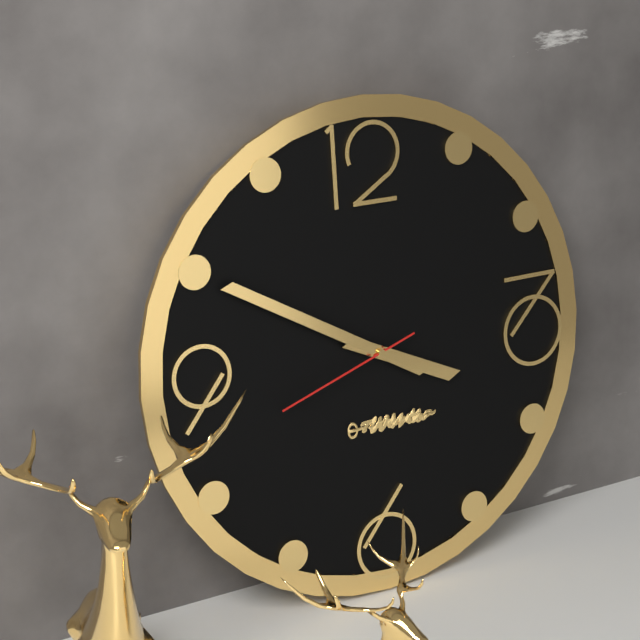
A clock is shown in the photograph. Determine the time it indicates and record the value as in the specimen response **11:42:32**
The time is **3:50:42**
